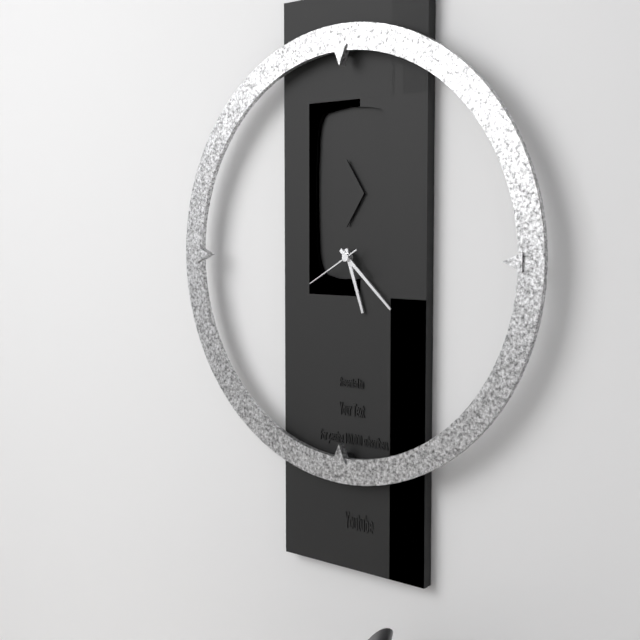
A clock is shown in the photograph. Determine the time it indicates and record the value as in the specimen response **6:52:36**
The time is **5:22:40**
